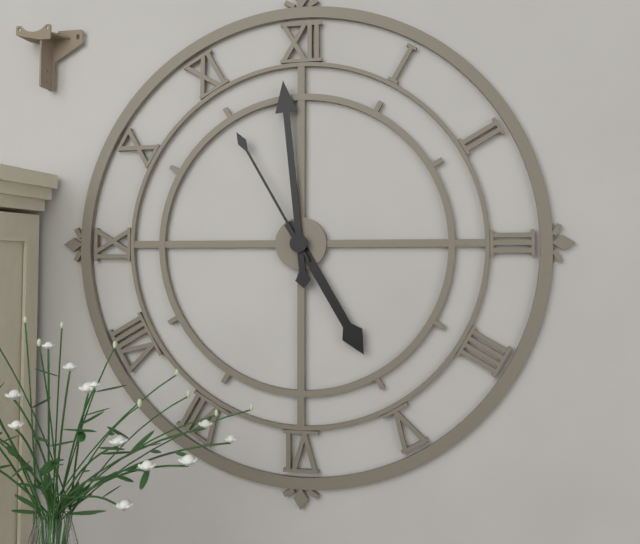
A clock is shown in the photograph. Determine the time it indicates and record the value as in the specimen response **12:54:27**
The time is **4:59:55**
